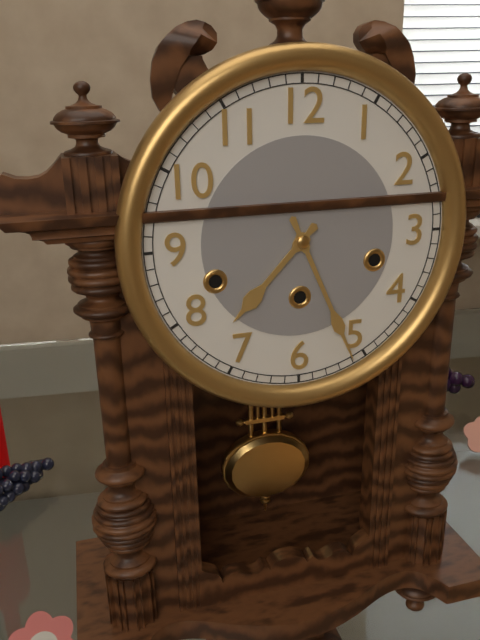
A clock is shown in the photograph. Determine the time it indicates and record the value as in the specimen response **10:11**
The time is **7:26**
